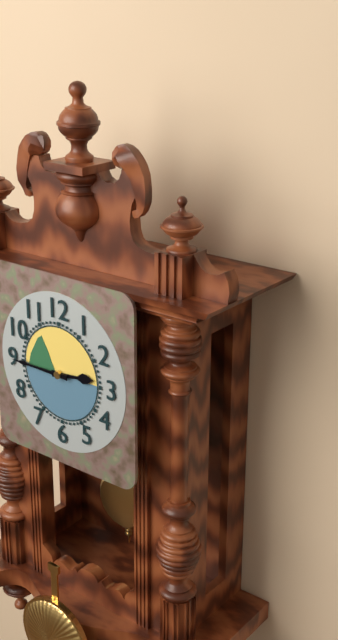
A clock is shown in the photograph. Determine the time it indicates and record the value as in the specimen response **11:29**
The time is **2:45**
